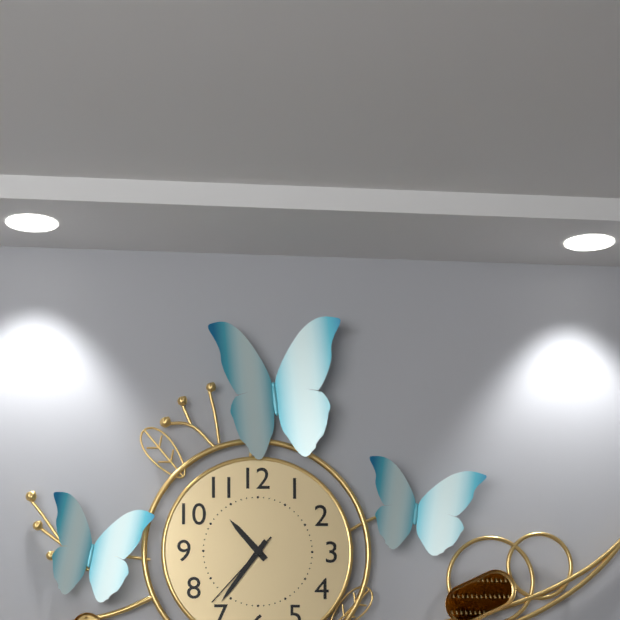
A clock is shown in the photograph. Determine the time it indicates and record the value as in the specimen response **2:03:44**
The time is **10:36:37**
